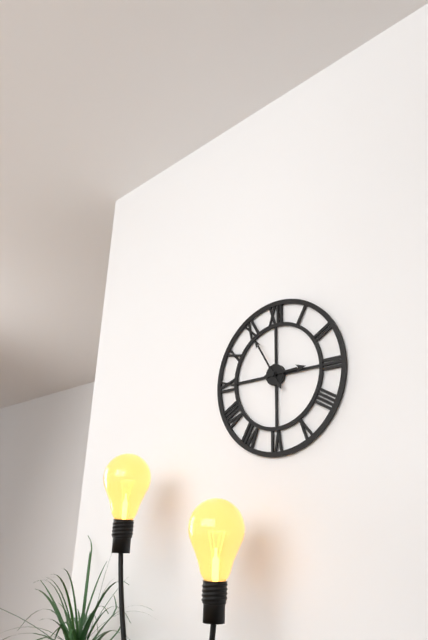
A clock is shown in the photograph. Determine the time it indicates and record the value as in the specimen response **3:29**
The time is **2:55**
